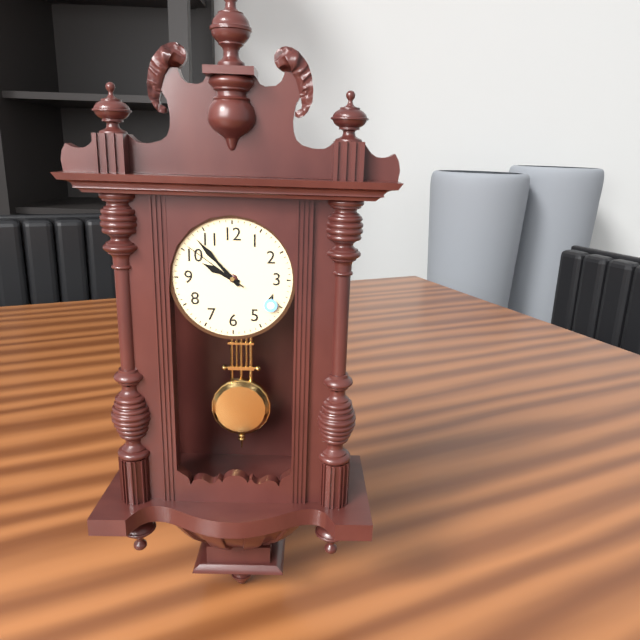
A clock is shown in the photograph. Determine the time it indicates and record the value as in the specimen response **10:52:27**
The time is **9:53:51**
